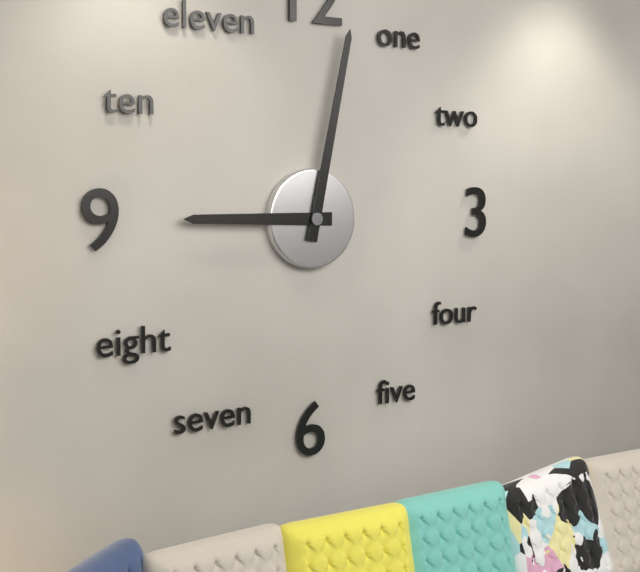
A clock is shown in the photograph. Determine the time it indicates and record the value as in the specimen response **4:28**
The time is **9:02**
